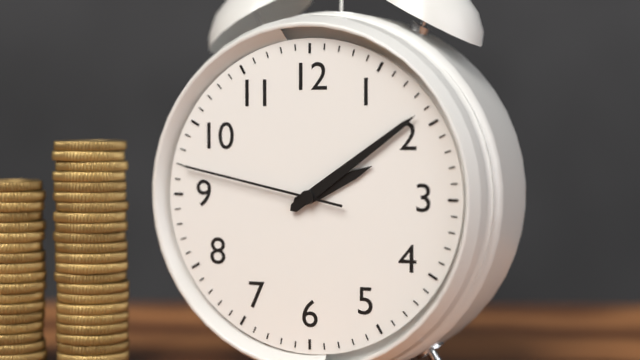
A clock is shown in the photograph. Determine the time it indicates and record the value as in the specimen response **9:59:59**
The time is **2:09:47**
